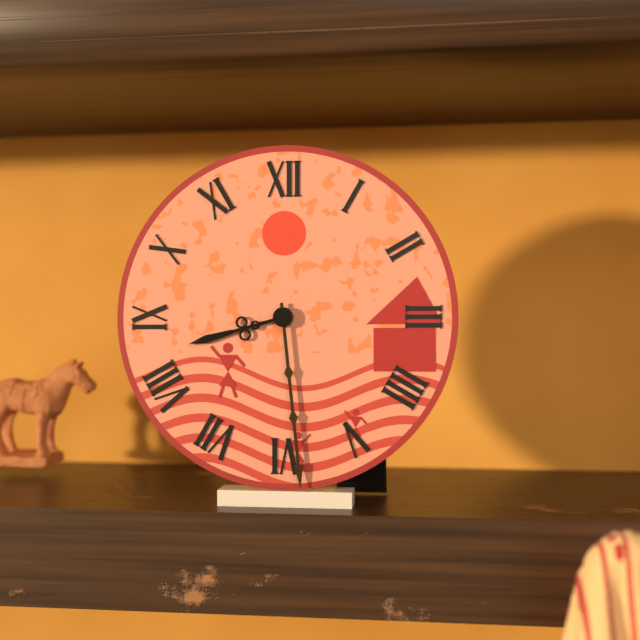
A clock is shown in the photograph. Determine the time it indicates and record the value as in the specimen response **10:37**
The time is **8:29**
